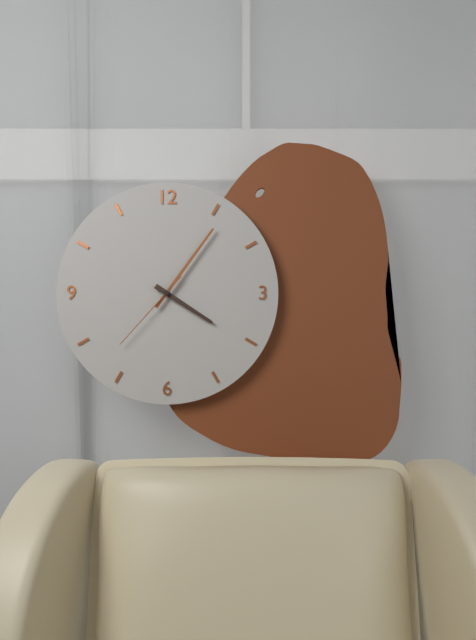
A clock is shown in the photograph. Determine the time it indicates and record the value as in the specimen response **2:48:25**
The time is **4:06:37**
